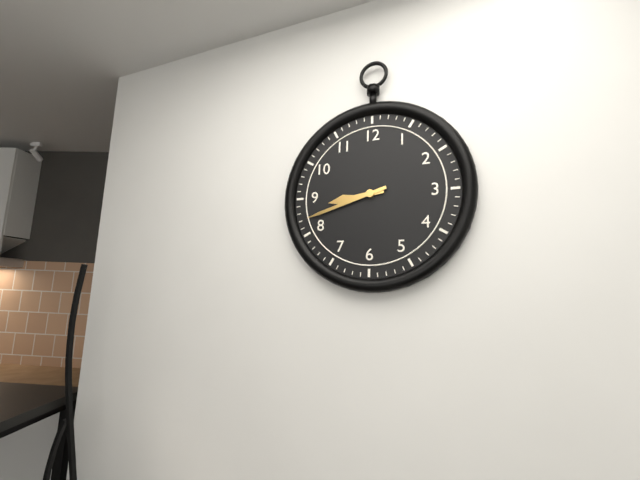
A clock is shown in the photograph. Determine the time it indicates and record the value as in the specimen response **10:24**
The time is **8:42**
